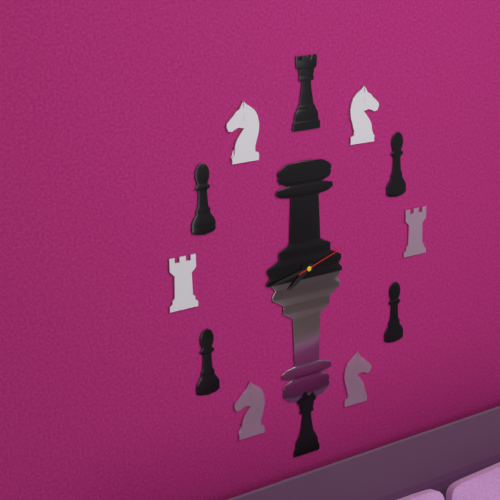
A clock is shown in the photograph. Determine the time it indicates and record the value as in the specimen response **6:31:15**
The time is **7:43:12**
